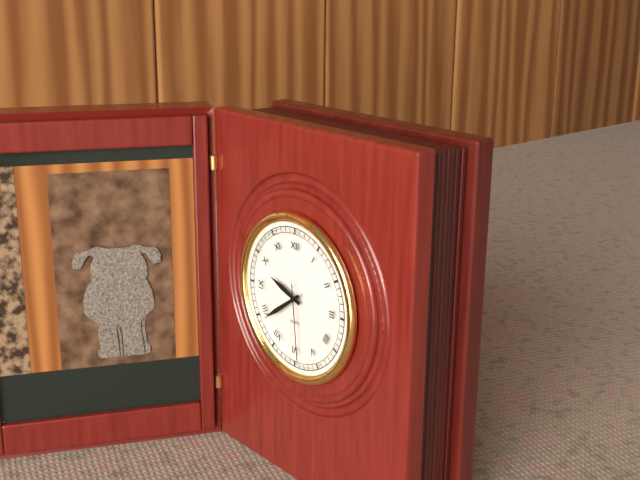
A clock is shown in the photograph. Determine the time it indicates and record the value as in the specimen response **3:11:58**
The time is **9:39:29**
